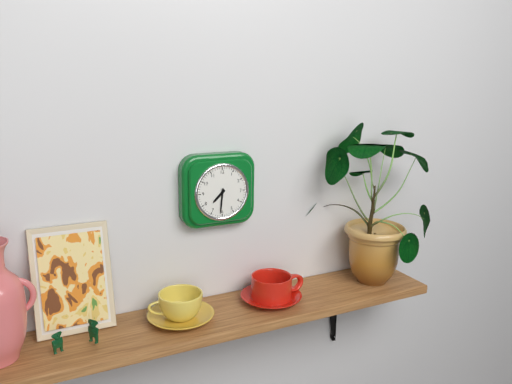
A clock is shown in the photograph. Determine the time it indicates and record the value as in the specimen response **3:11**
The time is **7:31**
